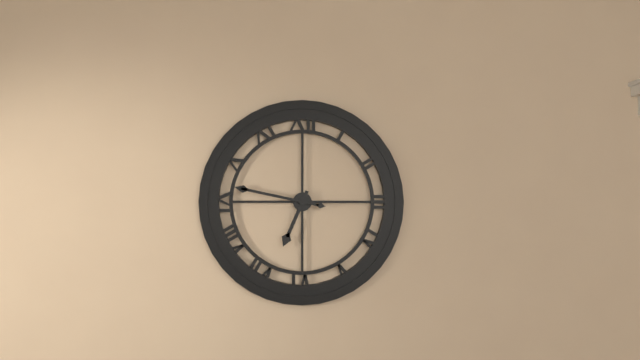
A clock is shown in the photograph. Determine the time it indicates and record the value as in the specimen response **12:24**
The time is **6:47**
